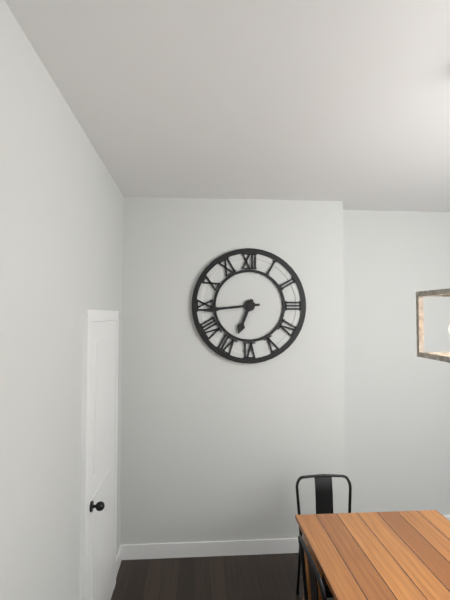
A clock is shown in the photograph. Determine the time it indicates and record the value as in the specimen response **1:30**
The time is **6:44**
